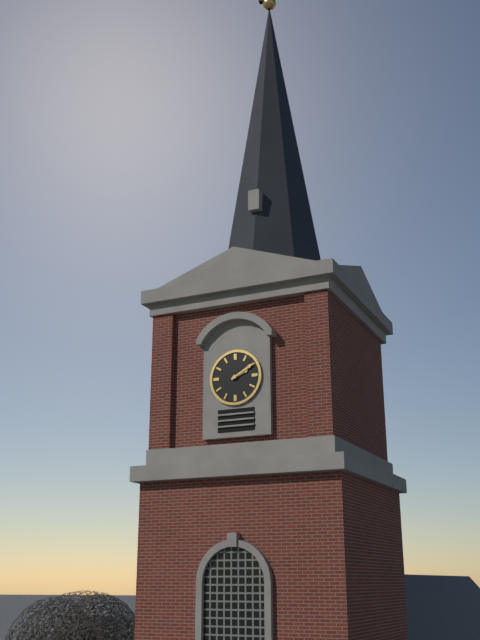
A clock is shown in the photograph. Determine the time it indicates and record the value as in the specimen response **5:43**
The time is **2:10**
